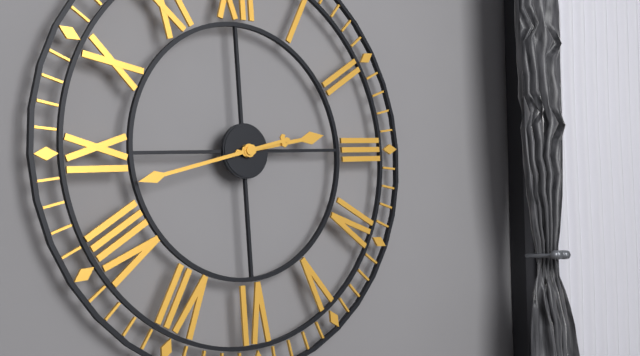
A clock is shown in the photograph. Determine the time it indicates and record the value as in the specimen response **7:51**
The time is **2:43**
